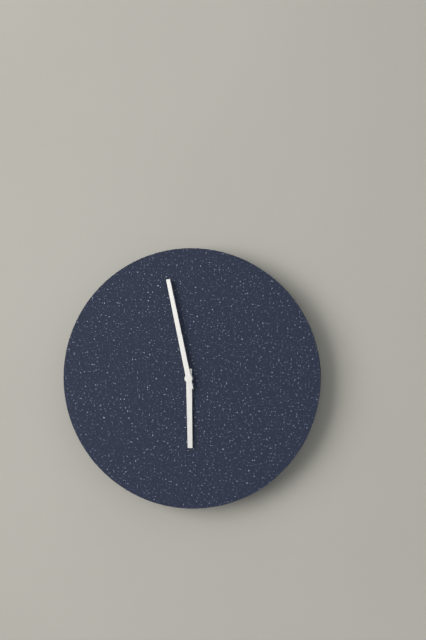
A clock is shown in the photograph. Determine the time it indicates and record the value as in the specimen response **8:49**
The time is **5:58**
